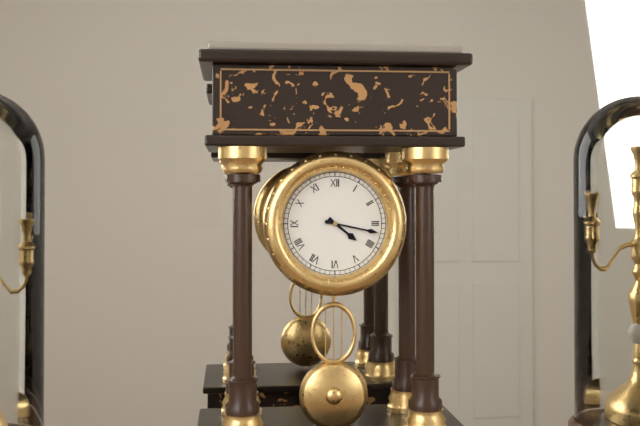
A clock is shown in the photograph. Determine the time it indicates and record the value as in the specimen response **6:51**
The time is **4:17**
